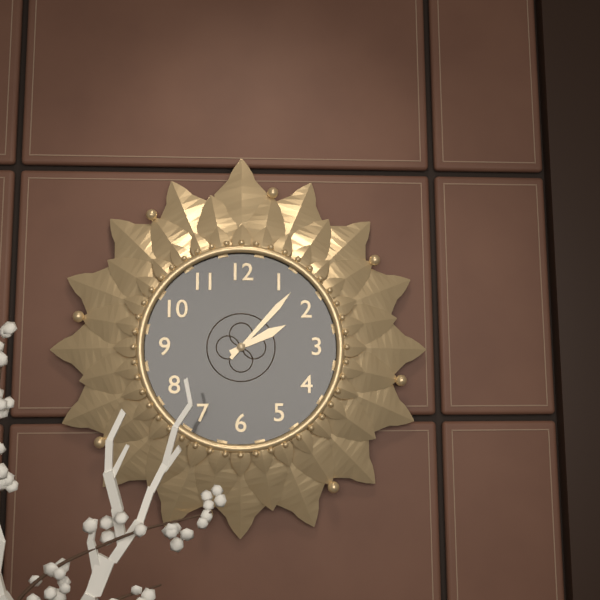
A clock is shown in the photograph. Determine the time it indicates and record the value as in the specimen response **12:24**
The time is **2:07**
